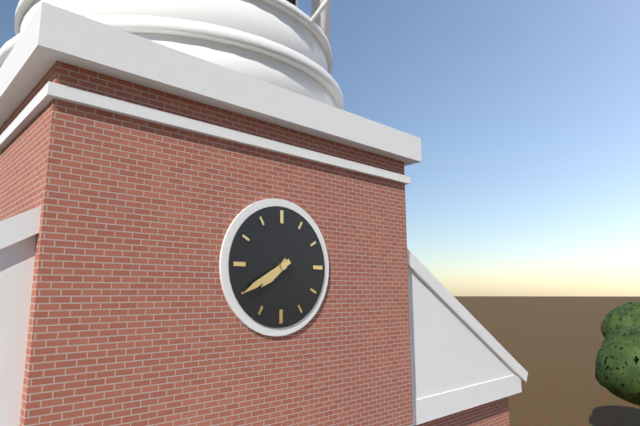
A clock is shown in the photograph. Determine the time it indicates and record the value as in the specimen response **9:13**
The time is **7:40**
